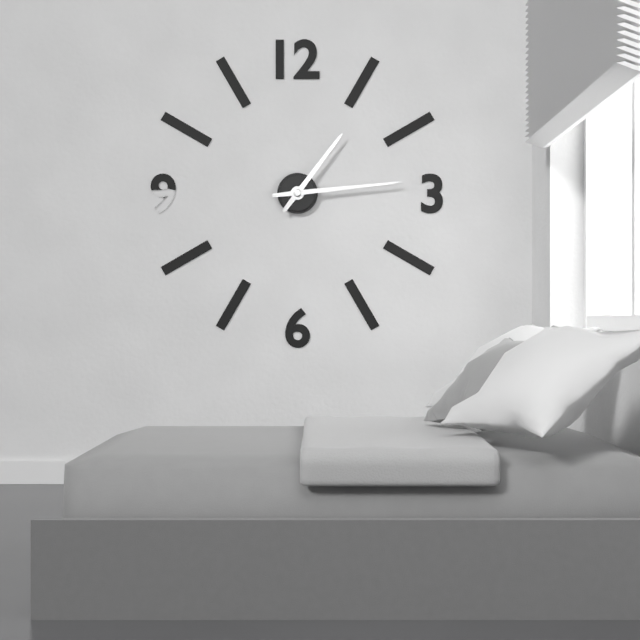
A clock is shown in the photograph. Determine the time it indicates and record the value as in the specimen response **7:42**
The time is **1:14**
